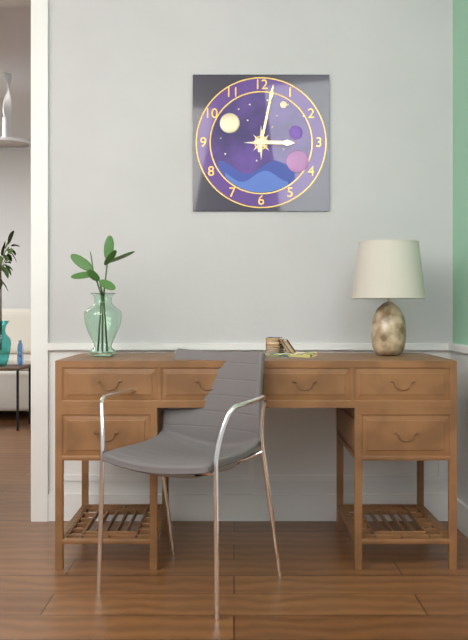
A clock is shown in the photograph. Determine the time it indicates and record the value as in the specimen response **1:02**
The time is **3:02**
